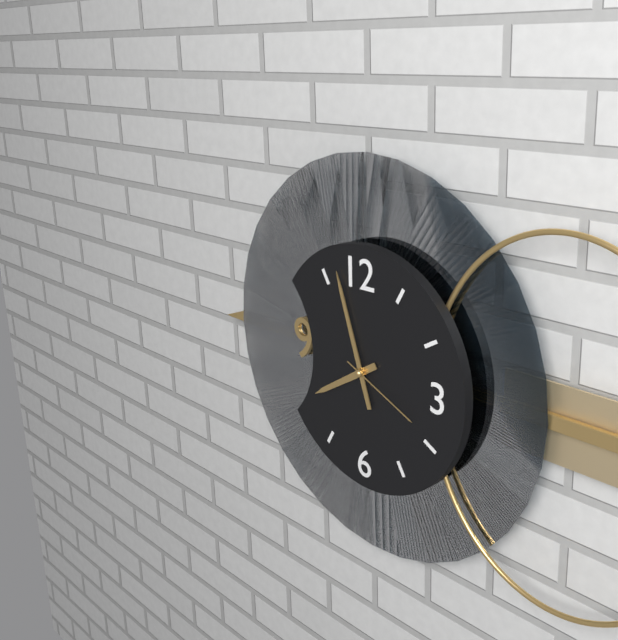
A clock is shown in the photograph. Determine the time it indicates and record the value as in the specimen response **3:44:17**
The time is **7:57:19**
